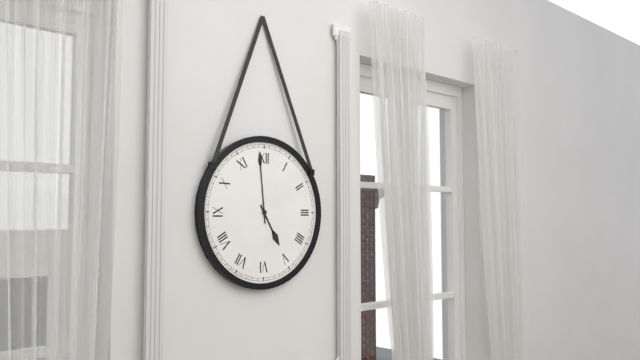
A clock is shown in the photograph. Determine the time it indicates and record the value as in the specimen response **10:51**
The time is **4:59**
